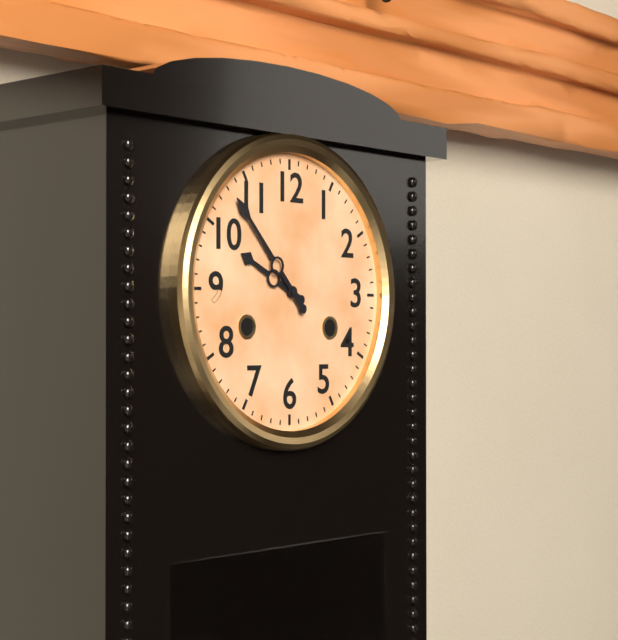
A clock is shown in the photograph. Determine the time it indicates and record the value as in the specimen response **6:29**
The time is **9:53**
